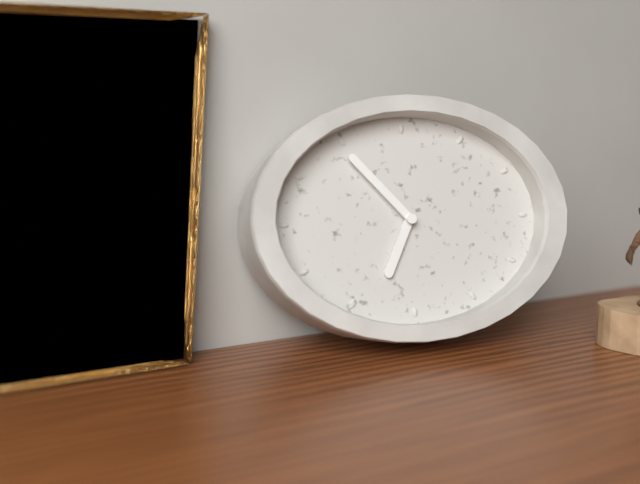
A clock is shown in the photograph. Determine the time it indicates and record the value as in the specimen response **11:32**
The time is **6:53**
